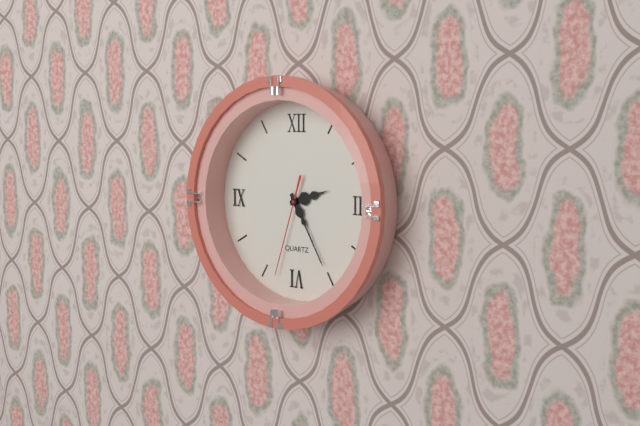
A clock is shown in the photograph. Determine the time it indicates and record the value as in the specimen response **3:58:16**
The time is **2:25:33**
